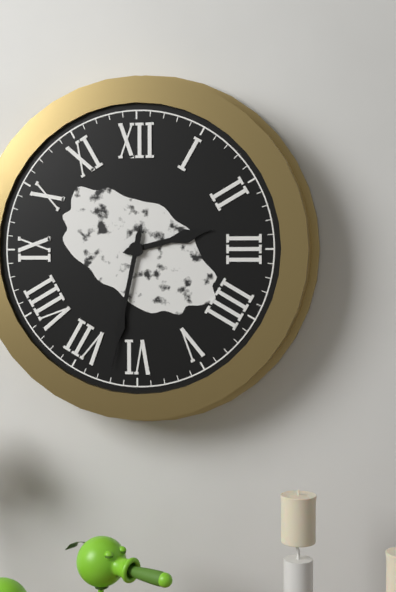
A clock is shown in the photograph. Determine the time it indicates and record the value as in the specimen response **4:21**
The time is **2:32**
